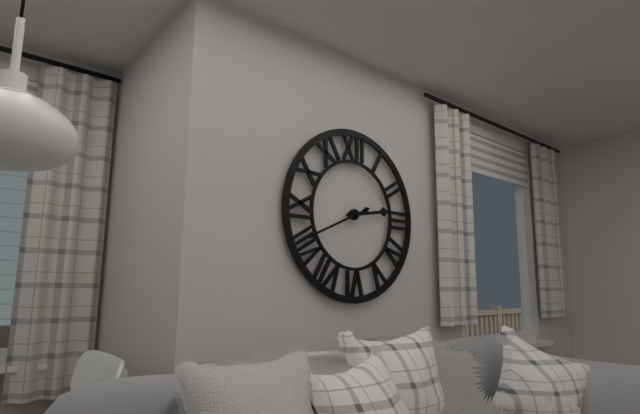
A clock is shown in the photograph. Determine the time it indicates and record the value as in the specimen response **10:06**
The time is **2:41**
